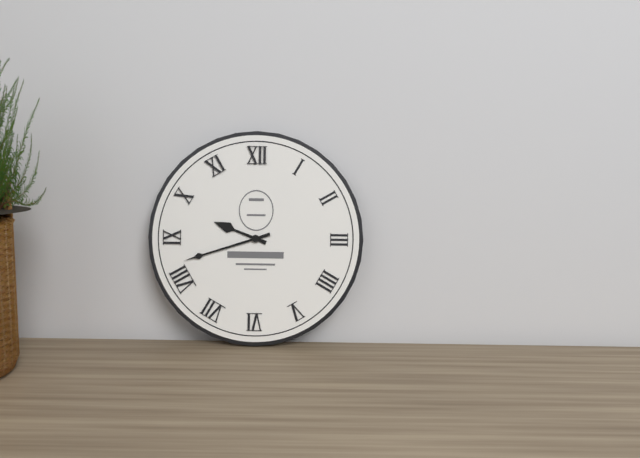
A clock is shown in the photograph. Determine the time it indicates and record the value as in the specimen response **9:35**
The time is **9:42**
